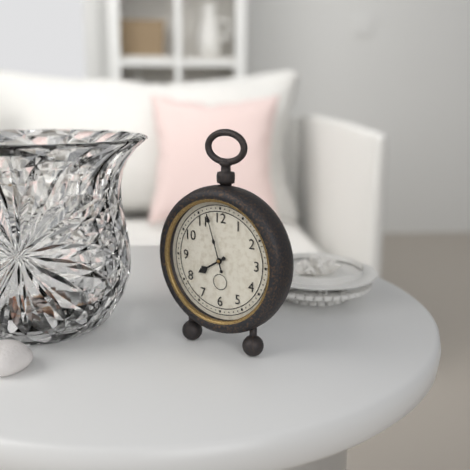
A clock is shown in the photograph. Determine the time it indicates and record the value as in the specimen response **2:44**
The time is **7:57**
